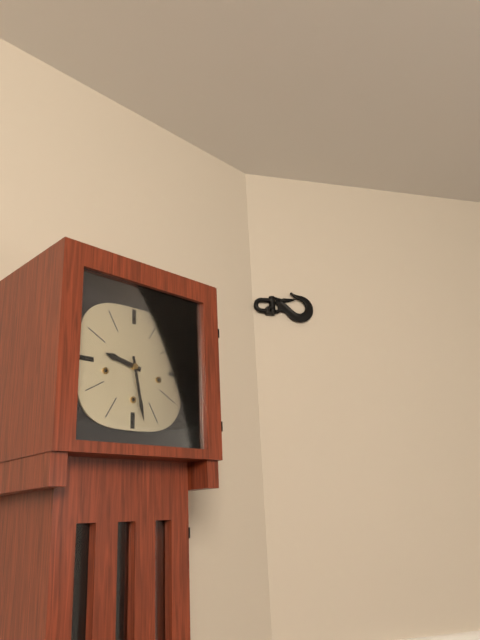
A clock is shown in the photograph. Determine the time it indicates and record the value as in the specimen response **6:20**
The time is **9:28**
